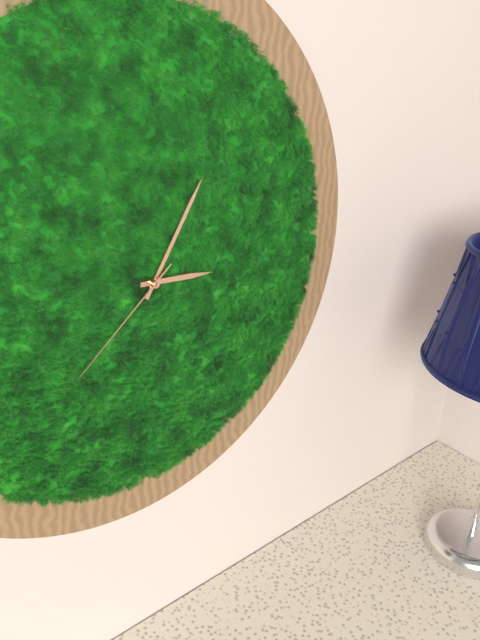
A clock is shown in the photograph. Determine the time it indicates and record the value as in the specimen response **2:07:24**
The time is **3:05:38**
